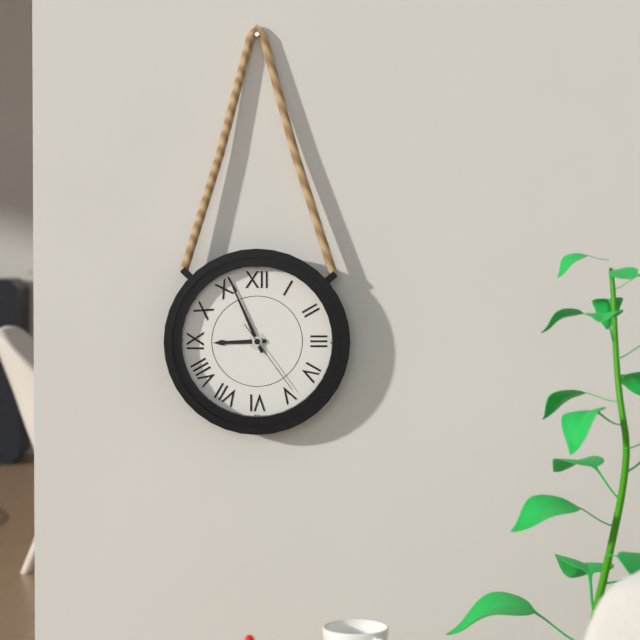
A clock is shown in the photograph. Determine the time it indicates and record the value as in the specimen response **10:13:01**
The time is **8:56:24**
